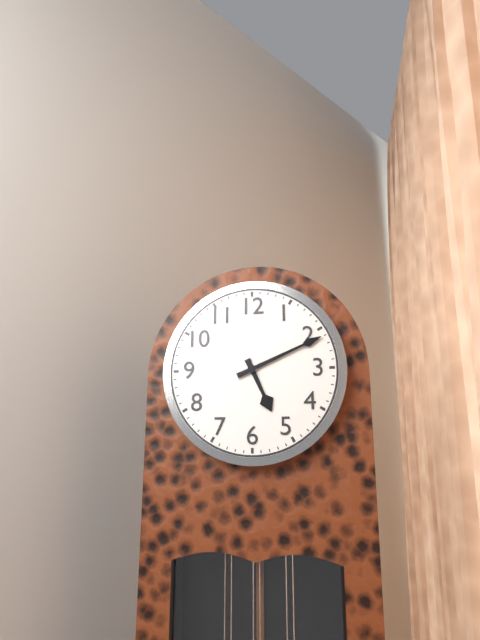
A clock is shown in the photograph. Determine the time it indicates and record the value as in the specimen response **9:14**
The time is **5:11**
